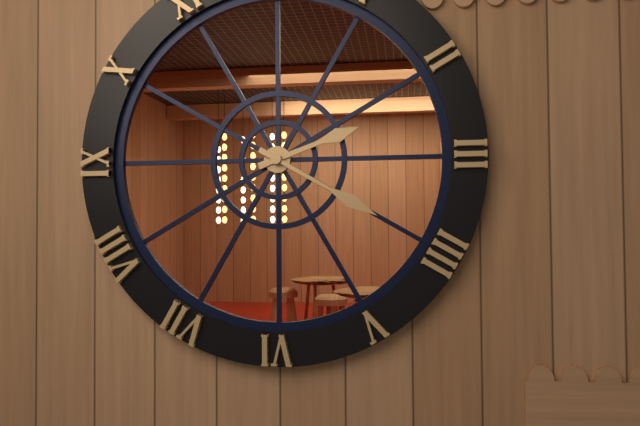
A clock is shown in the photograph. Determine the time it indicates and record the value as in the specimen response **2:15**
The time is **2:20**
